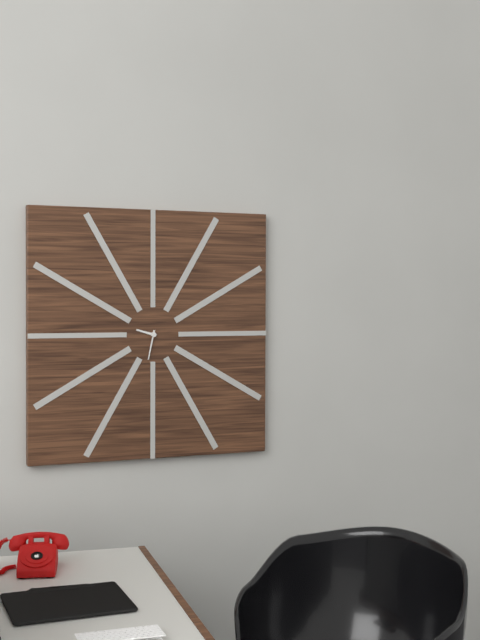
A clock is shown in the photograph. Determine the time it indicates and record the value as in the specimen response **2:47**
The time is **9:32**
